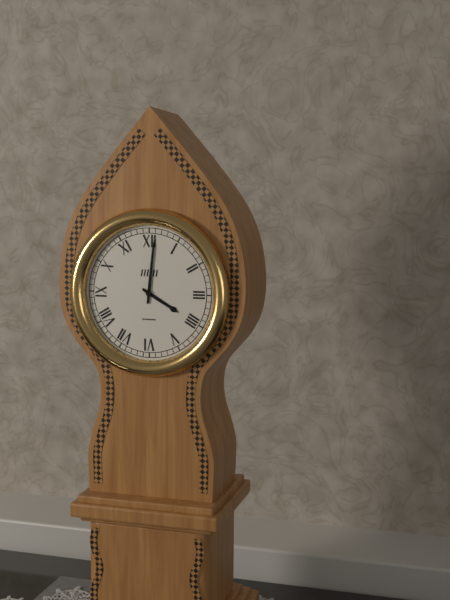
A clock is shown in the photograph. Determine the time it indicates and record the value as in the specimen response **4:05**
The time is **4:01**
